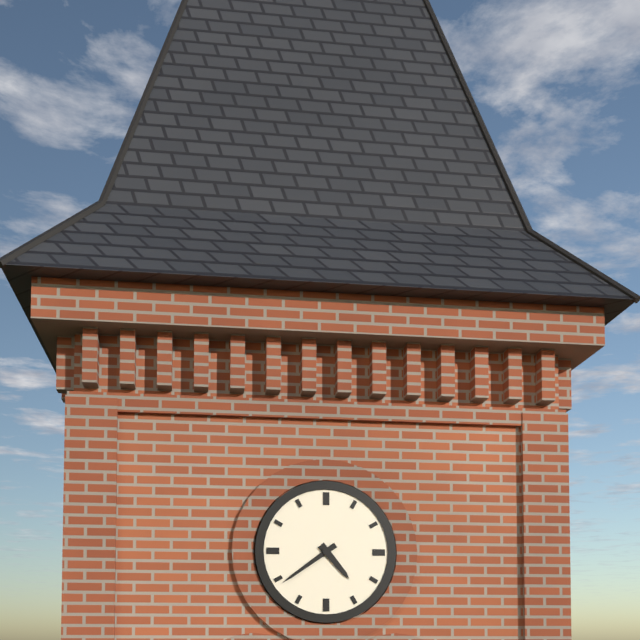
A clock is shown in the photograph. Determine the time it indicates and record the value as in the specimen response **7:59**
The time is **4:39**
